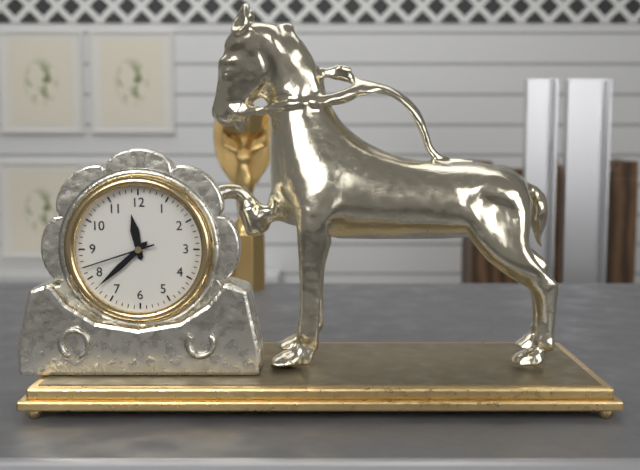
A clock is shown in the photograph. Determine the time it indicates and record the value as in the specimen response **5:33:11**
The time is **11:38:42**
